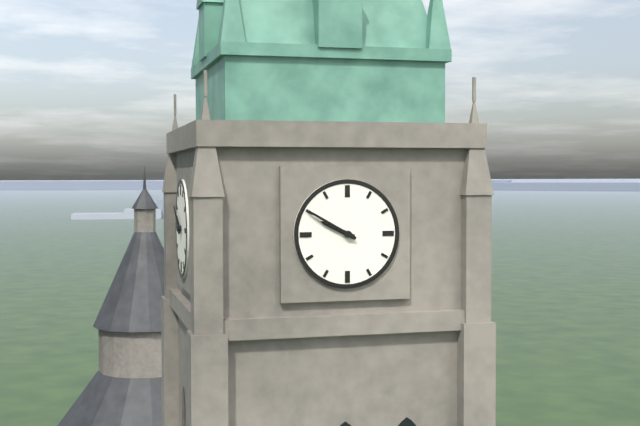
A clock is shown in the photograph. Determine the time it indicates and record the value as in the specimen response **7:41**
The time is **9:50**
